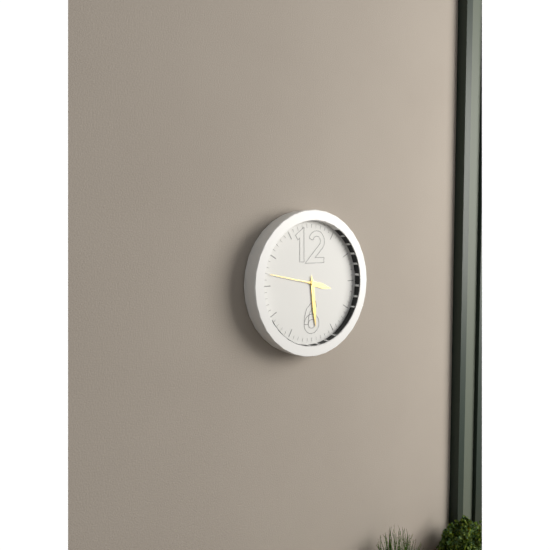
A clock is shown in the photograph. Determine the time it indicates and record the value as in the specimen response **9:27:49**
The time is **3:29:47**
